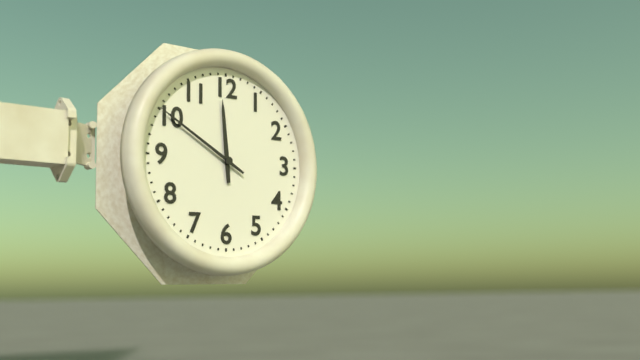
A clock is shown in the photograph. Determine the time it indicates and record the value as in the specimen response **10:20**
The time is **11:50**
